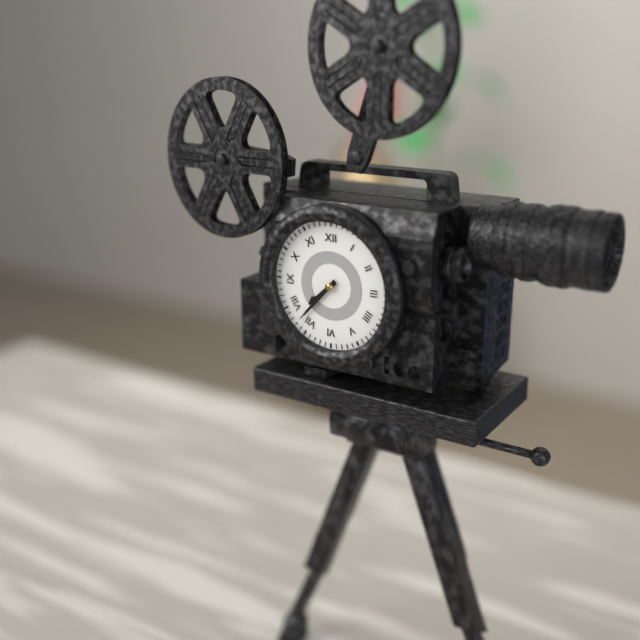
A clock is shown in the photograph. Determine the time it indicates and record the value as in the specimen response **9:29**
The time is **7:37**
